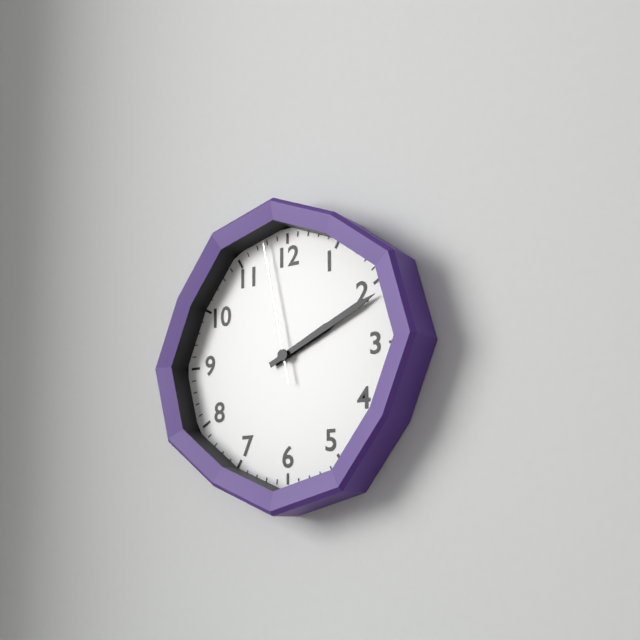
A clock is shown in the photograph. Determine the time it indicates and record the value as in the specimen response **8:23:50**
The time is **2:11:58**
